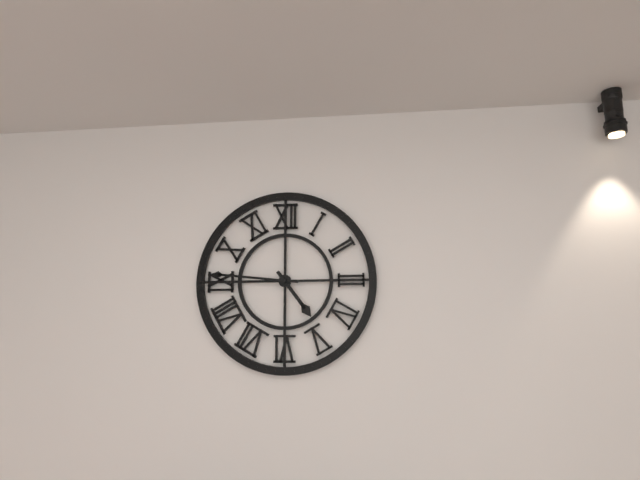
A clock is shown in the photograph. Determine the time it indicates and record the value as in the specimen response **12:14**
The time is **4:46**
